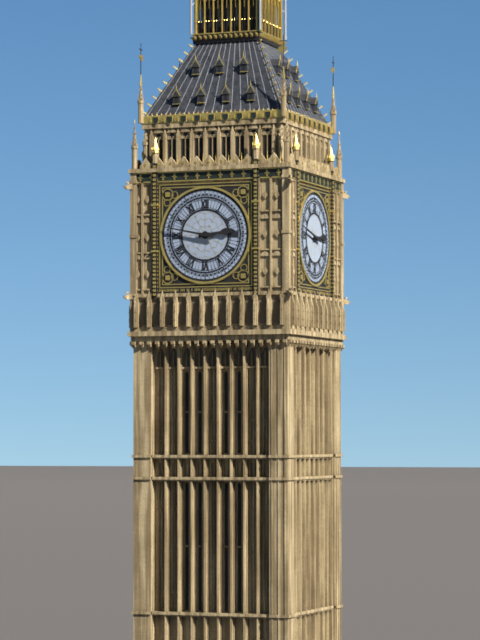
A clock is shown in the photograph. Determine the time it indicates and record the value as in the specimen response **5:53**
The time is **2:47**
